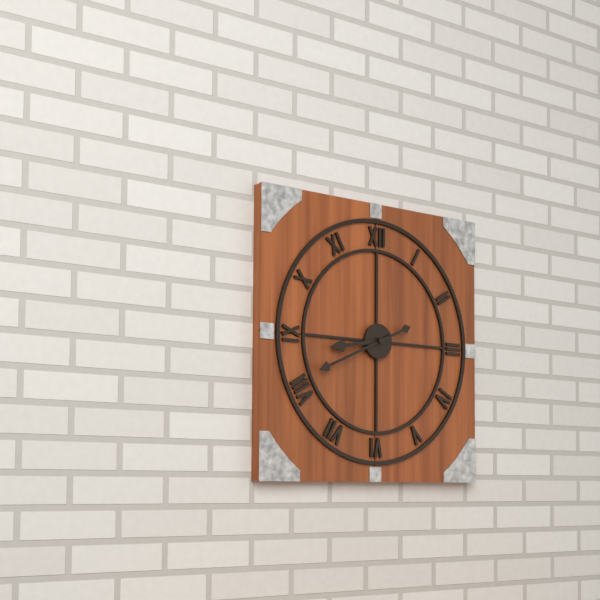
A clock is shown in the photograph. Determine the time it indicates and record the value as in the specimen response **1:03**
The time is **8:41**
